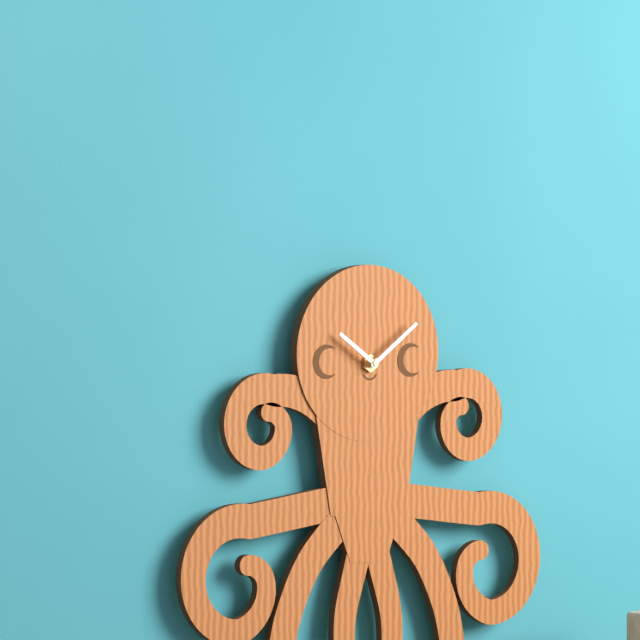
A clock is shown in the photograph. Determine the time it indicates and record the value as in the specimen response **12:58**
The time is **10:09**
